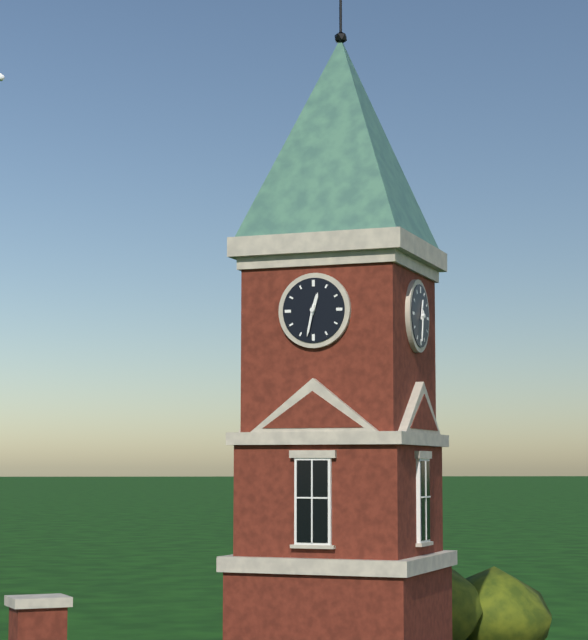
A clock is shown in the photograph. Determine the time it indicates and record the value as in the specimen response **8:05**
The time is **12:32**
